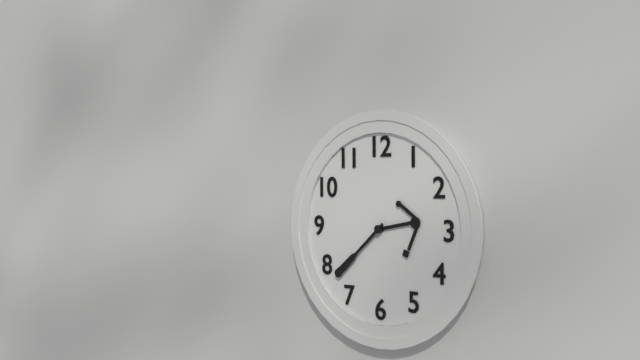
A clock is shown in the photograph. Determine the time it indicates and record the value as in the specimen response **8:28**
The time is **2:38**
